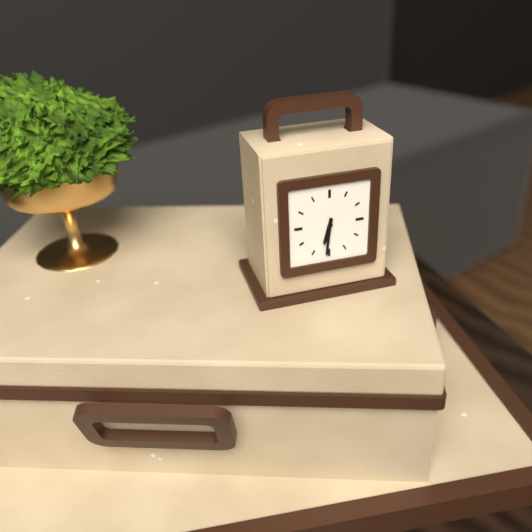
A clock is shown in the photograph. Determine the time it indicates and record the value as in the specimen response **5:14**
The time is **6:31**
